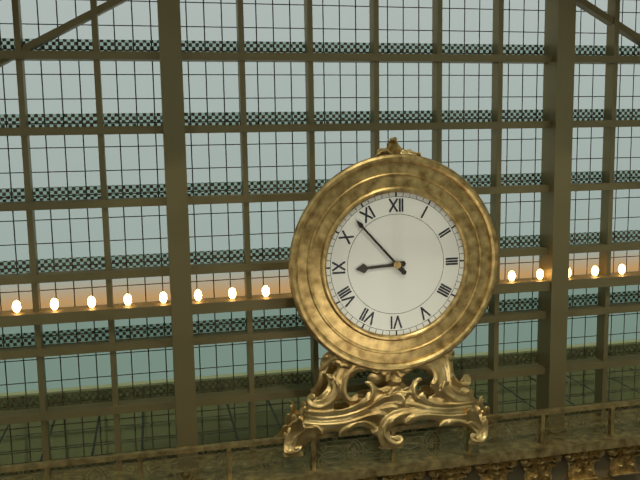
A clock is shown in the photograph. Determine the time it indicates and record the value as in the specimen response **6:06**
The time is **8:53**
